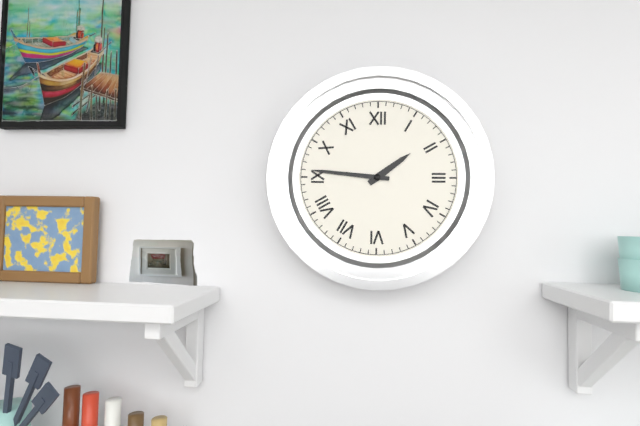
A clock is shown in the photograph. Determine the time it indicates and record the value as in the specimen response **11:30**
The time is **1:46**
